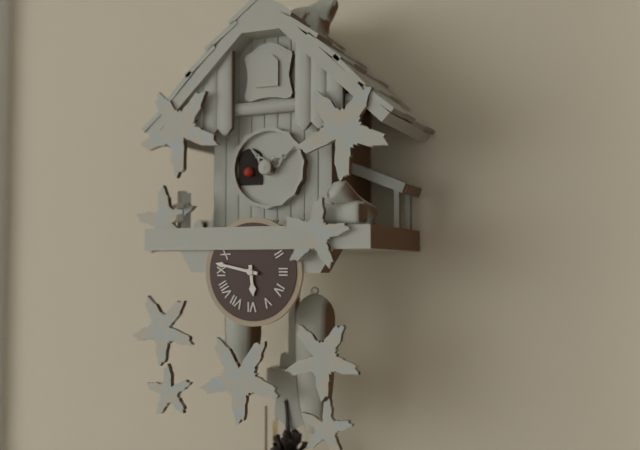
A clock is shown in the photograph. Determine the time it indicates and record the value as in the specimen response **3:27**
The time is **5:47**
